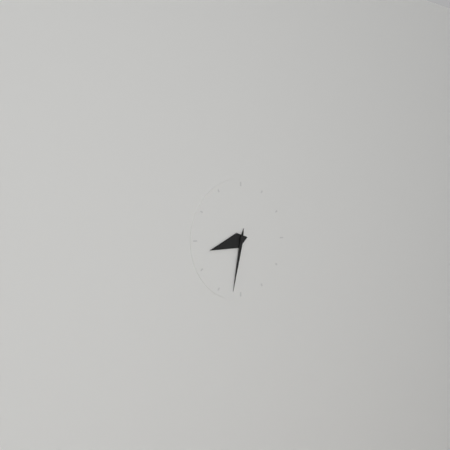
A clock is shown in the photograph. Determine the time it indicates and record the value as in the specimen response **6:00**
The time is **8:32**
